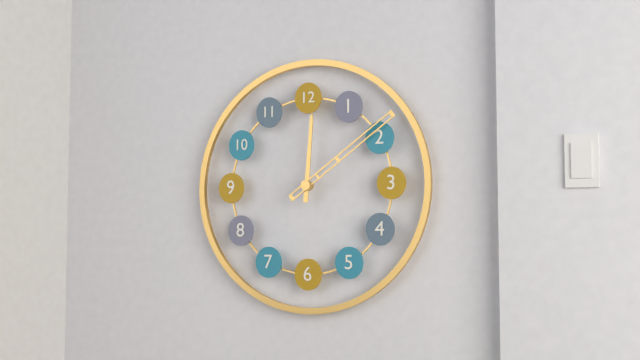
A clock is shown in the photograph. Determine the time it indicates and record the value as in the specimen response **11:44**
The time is **12:09**
